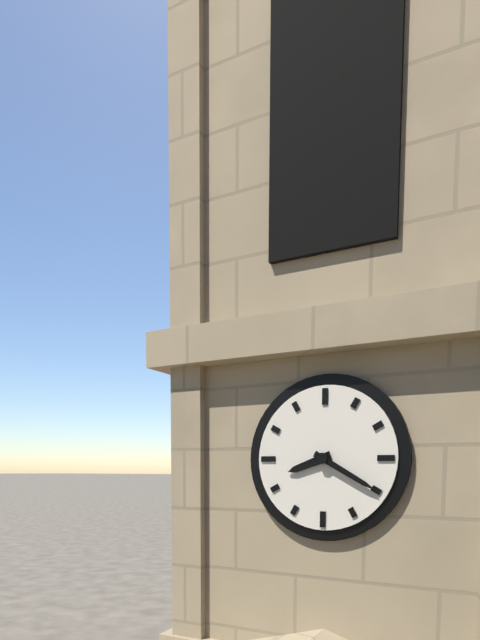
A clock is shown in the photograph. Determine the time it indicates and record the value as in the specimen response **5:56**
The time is **8:20**
